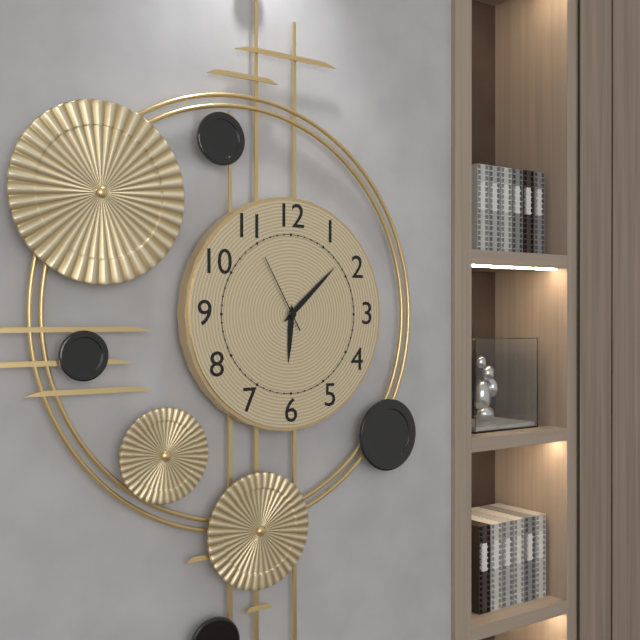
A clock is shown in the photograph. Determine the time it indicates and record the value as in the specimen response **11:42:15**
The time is **6:08:55**
